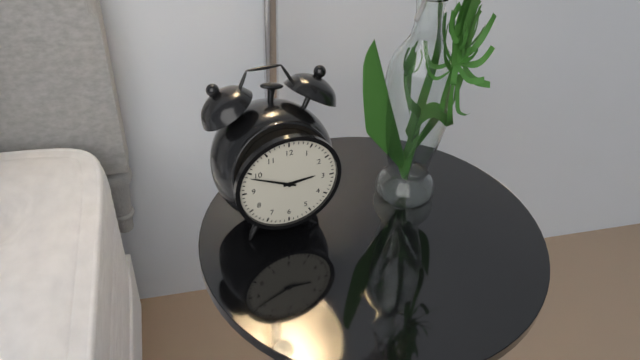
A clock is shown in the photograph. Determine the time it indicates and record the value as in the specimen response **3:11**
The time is **2:49**
